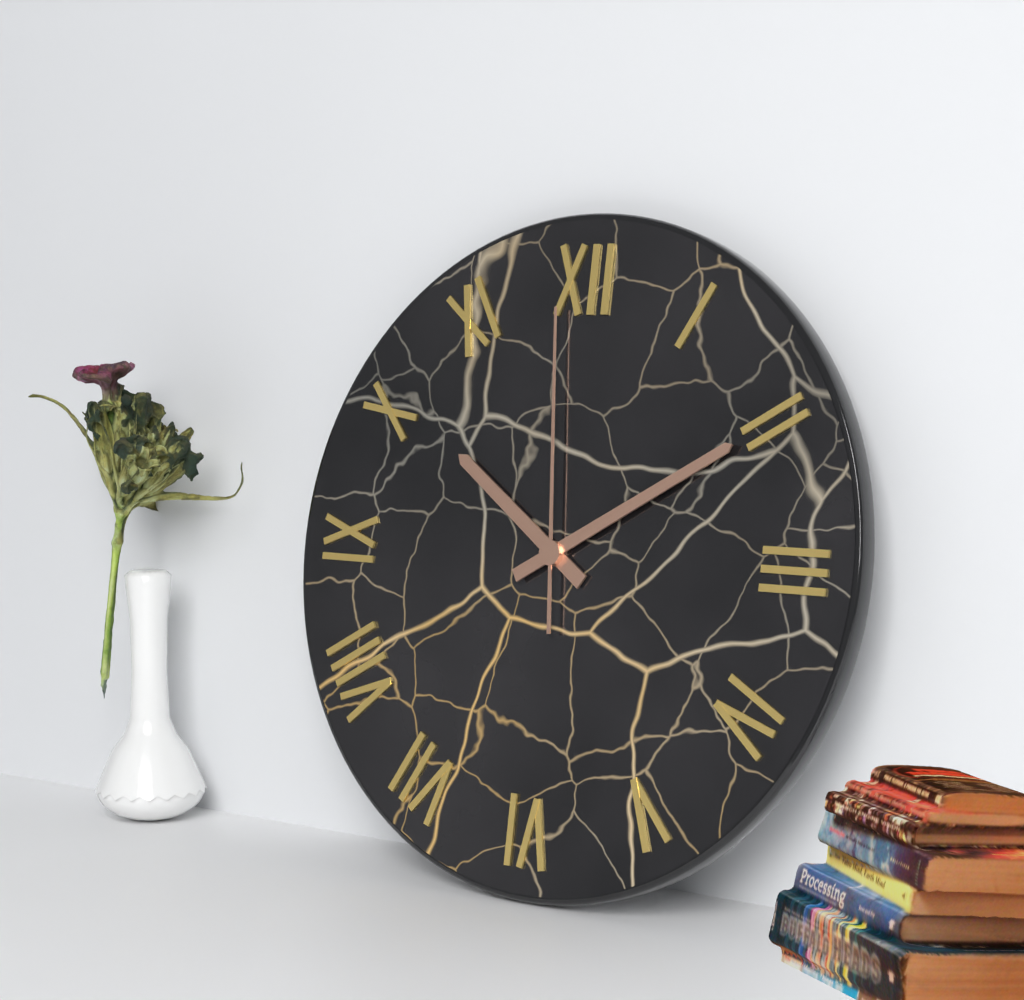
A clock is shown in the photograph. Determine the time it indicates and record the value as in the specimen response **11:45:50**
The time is **10:10:59**
